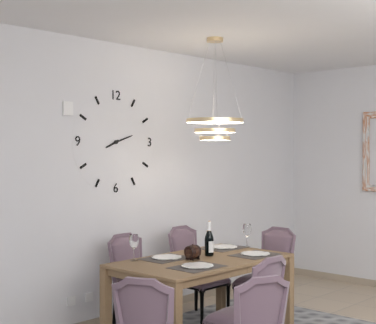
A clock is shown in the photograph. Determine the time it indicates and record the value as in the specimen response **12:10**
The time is **8:12**
